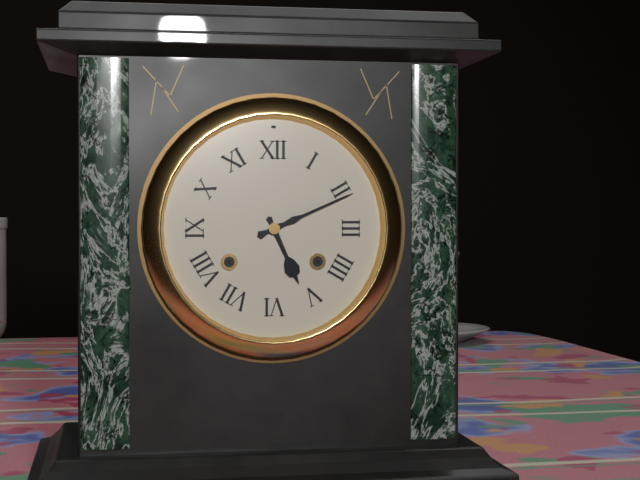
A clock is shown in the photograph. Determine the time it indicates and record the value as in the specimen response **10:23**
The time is **5:11**
